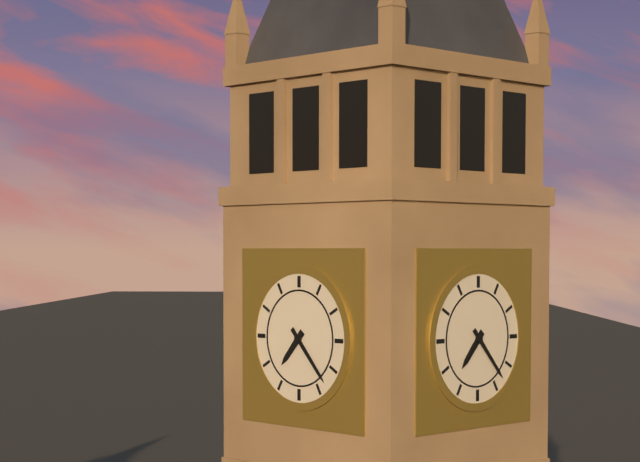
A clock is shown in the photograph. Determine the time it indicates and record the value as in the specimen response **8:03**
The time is **7:23**
